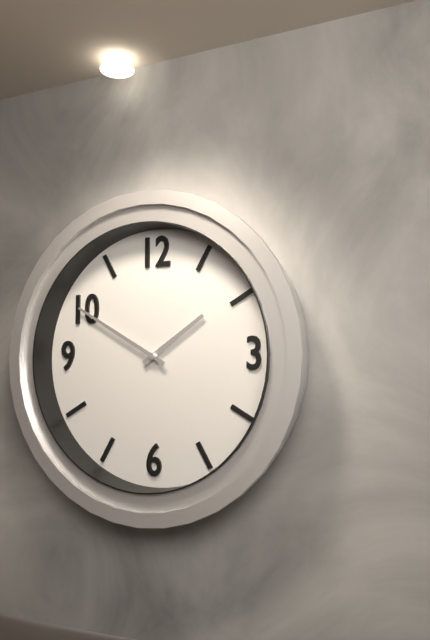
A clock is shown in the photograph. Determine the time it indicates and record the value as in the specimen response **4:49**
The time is **1:50**
